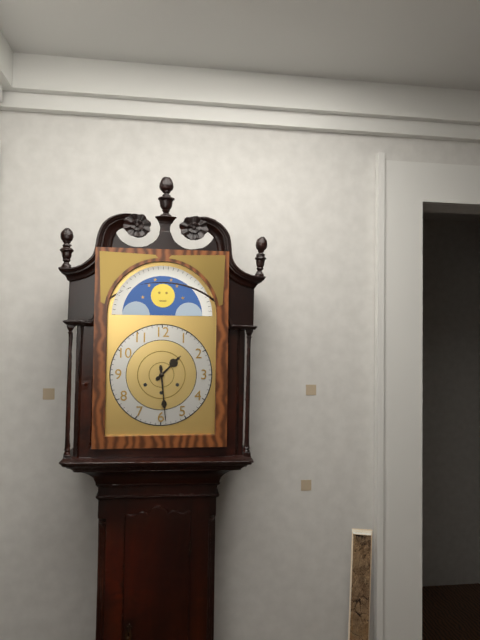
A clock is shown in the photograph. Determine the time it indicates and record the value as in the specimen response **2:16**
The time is **1:29**
